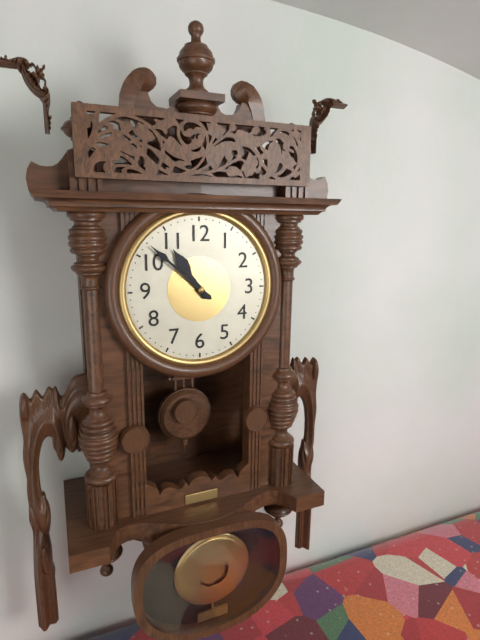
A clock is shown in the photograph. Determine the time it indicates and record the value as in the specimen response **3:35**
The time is **10:52**
